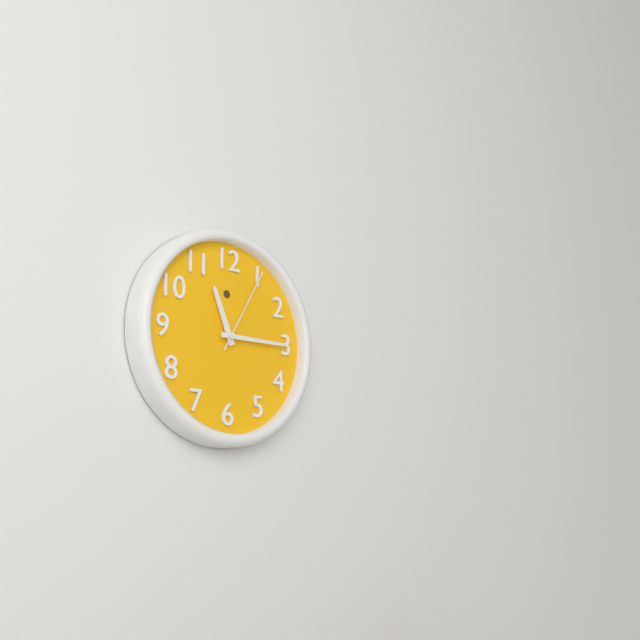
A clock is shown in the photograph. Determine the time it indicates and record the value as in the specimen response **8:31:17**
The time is **11:15:05**
